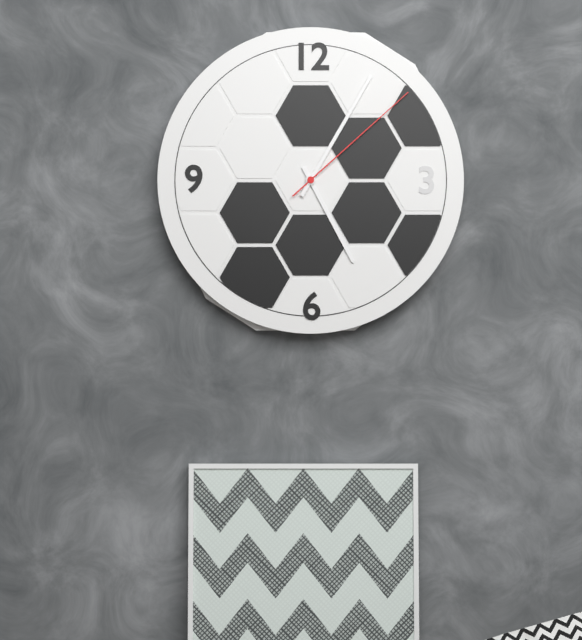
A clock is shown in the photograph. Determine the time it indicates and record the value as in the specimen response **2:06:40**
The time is **5:05:08**
